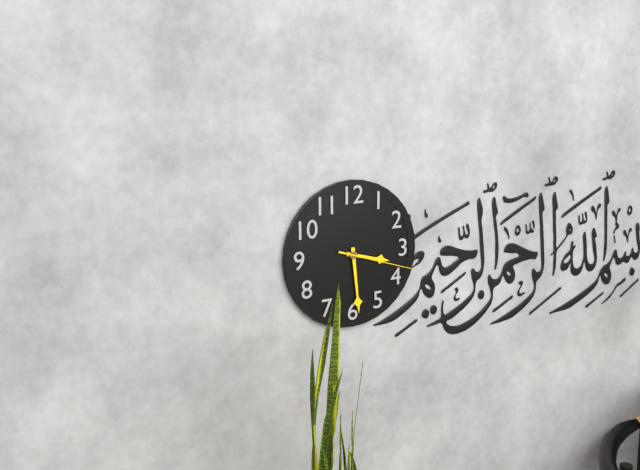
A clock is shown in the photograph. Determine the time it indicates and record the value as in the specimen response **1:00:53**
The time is **3:29:18**
